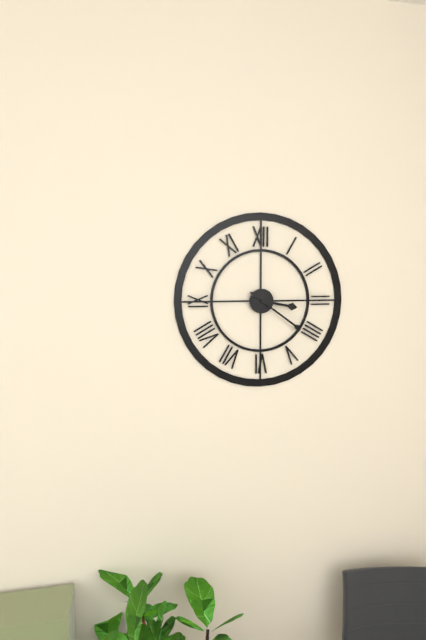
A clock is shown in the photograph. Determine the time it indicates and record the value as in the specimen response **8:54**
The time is **3:21**
